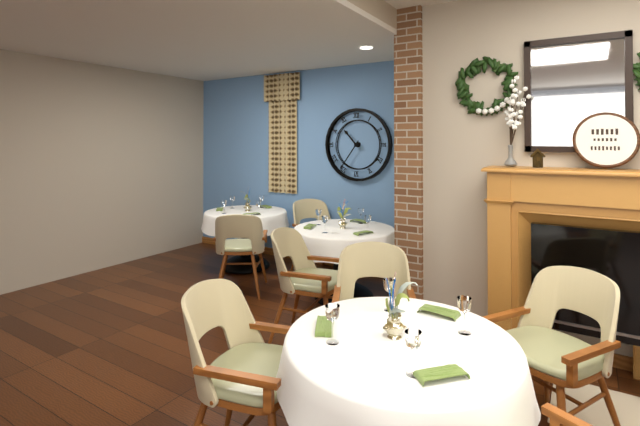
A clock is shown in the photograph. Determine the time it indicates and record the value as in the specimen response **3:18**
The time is **10:36**
